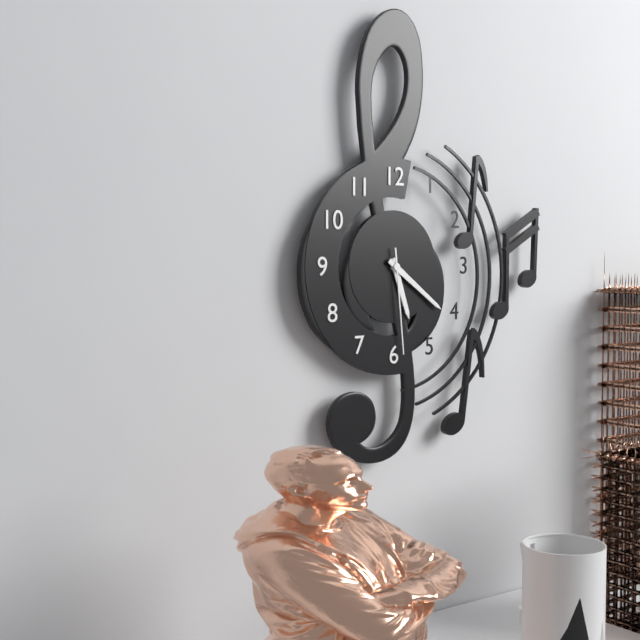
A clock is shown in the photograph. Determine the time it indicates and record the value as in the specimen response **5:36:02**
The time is **5:21:29**
